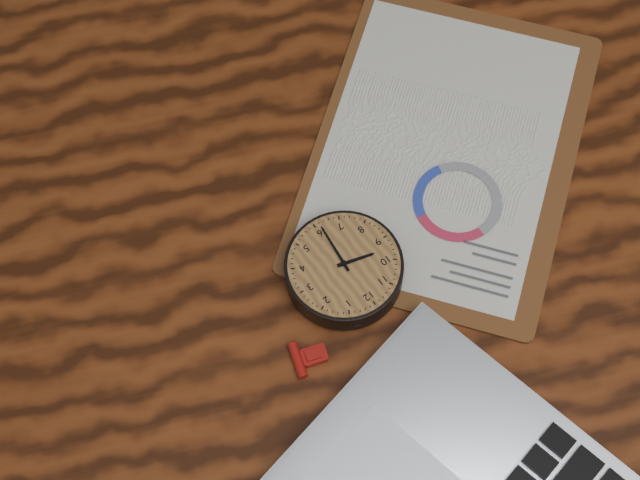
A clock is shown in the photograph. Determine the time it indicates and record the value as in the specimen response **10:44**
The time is **9:31**
